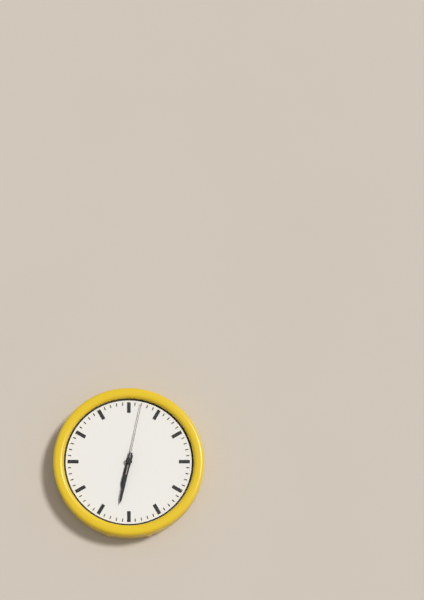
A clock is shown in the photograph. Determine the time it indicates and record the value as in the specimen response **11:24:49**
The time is **6:32:02**
